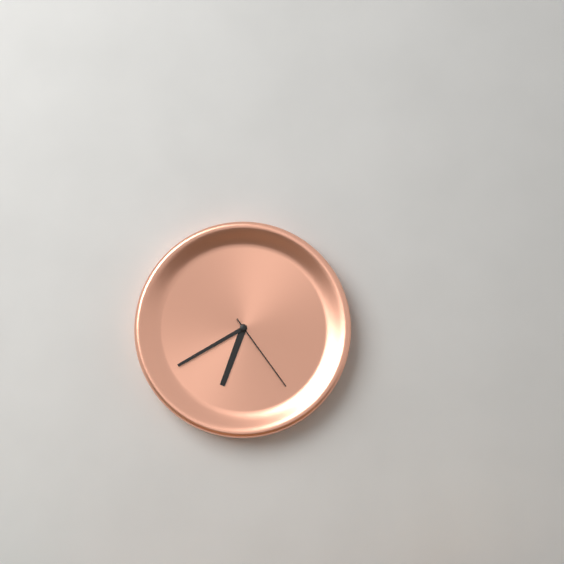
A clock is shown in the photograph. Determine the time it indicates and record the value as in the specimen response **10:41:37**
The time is **6:40:24**
